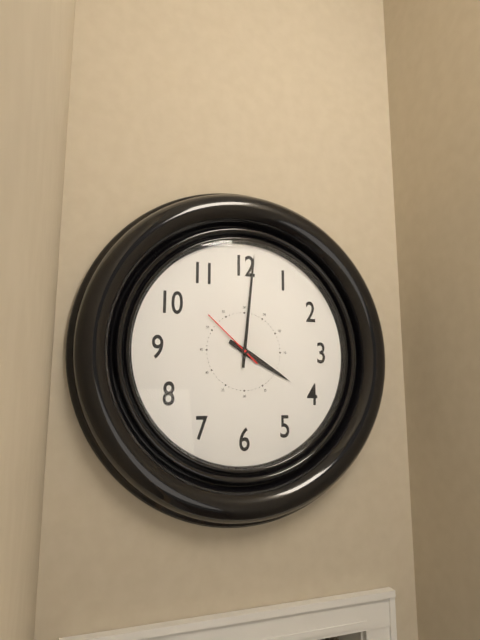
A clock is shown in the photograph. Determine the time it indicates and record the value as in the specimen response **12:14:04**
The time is **4:01:52**
